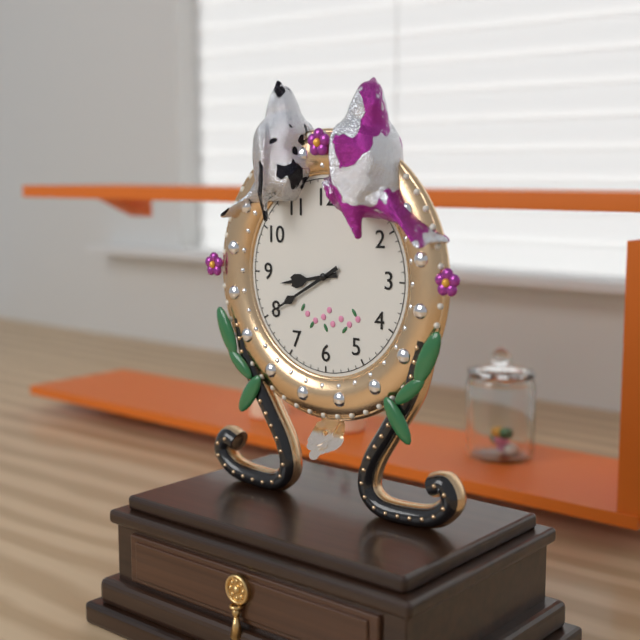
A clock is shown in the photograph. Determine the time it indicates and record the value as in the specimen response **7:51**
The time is **8:40**
